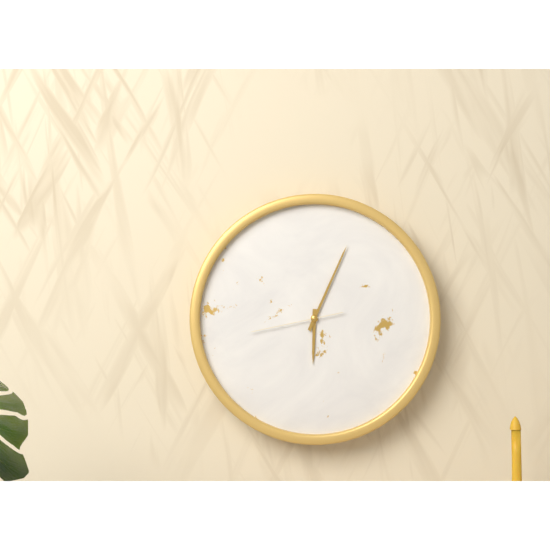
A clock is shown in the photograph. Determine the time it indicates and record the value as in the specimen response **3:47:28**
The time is **6:04:43**
